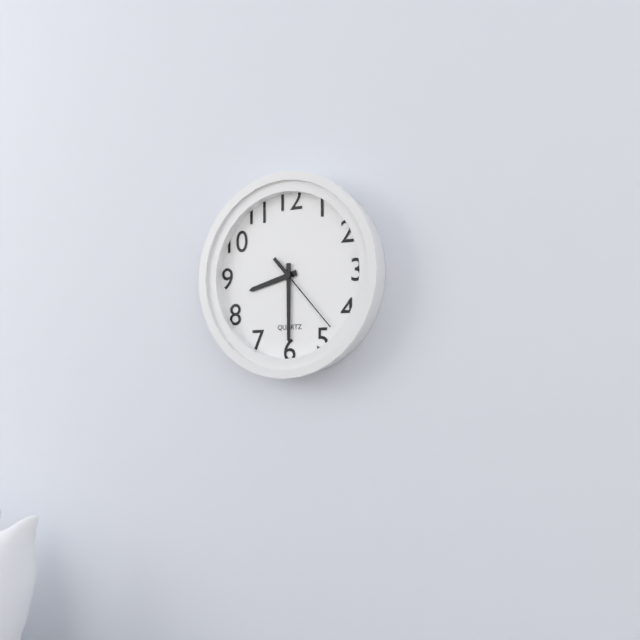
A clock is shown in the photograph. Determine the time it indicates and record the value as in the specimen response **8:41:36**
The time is **8:30:23**
